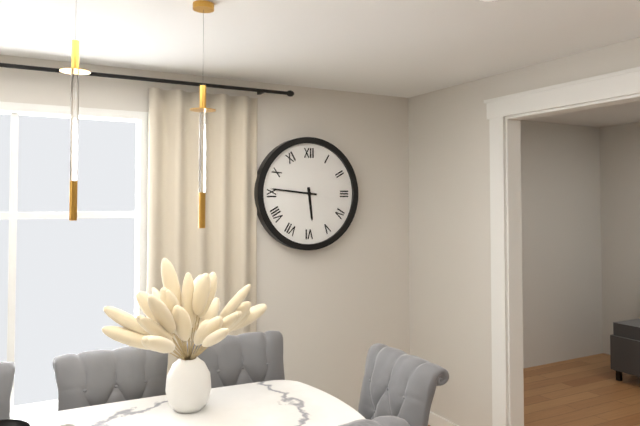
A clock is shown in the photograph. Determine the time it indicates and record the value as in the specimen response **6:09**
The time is **5:46**
